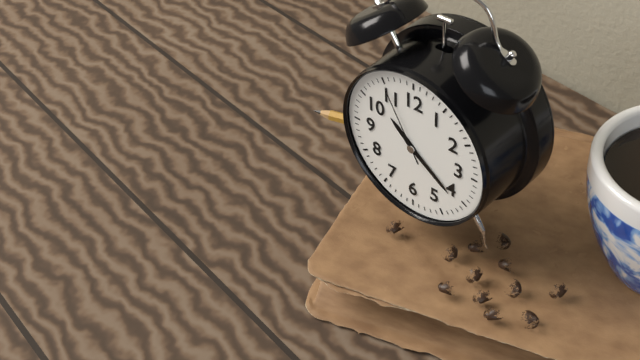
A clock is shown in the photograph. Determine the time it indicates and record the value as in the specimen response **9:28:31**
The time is **10:21:55**
